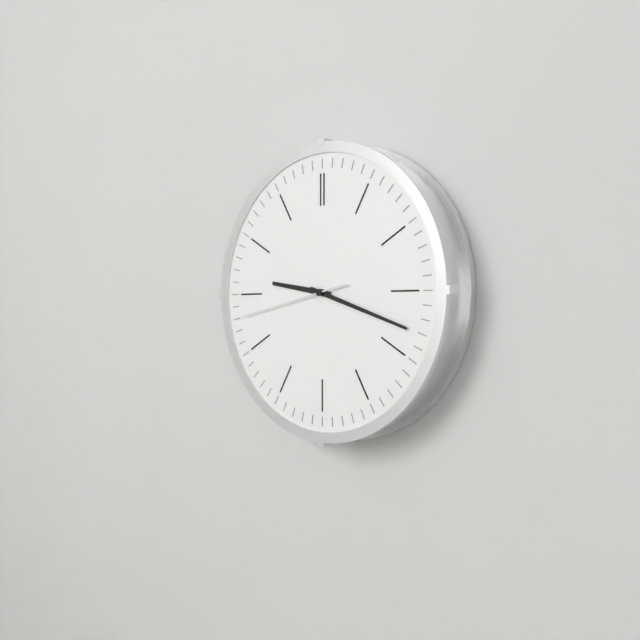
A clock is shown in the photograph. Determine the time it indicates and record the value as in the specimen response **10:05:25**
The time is **9:18:43**
